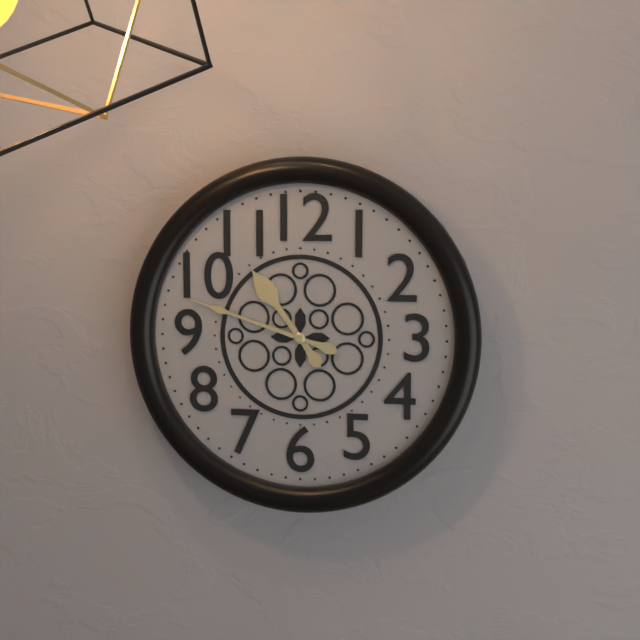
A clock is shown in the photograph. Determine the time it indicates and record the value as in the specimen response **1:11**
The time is **10:48**
